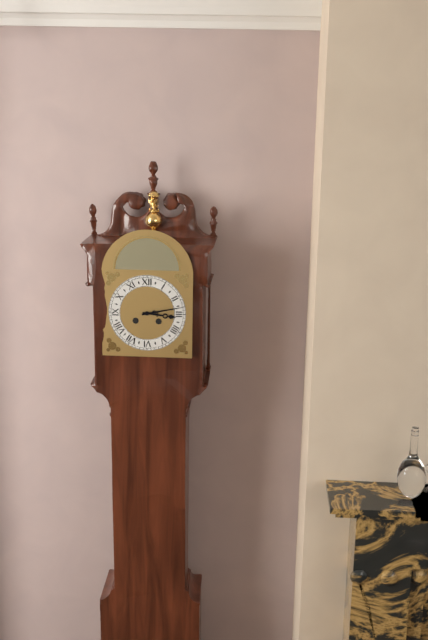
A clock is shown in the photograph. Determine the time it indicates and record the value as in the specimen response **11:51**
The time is **3:13**
